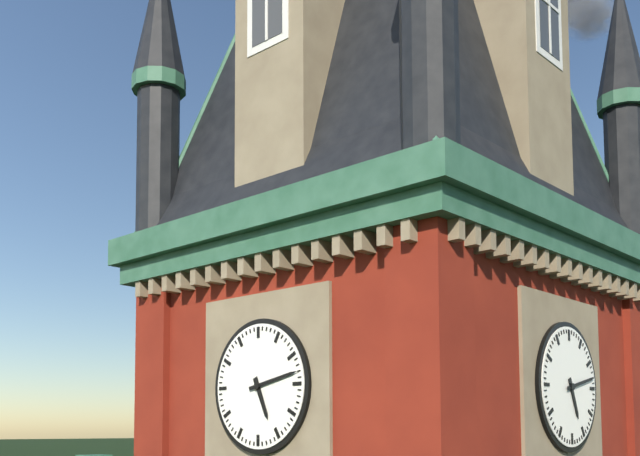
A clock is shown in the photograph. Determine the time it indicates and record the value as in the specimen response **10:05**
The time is **5:13**
